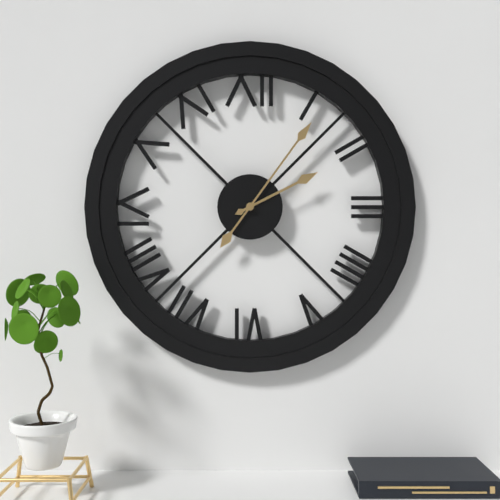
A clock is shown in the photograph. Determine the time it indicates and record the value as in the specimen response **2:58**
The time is **2:06**
